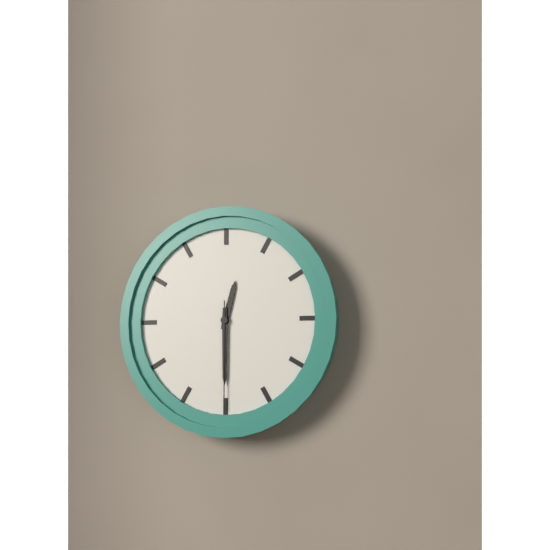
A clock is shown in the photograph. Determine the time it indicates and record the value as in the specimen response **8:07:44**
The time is **12:30:30**
